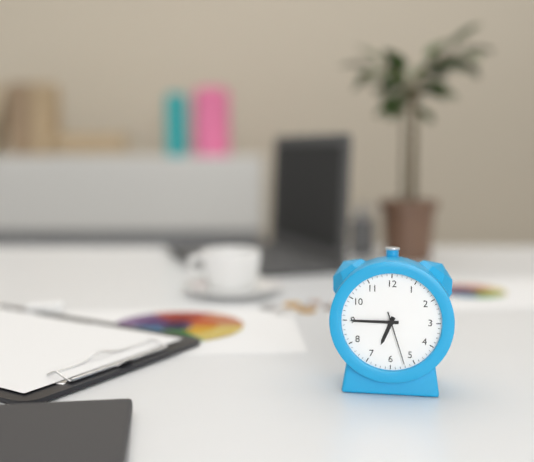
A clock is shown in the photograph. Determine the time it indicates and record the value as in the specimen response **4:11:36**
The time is **6:45:27**
